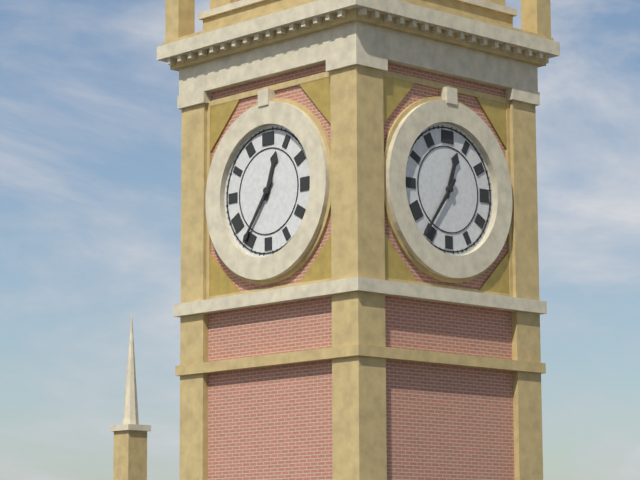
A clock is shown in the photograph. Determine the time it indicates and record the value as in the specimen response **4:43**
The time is **12:36**
